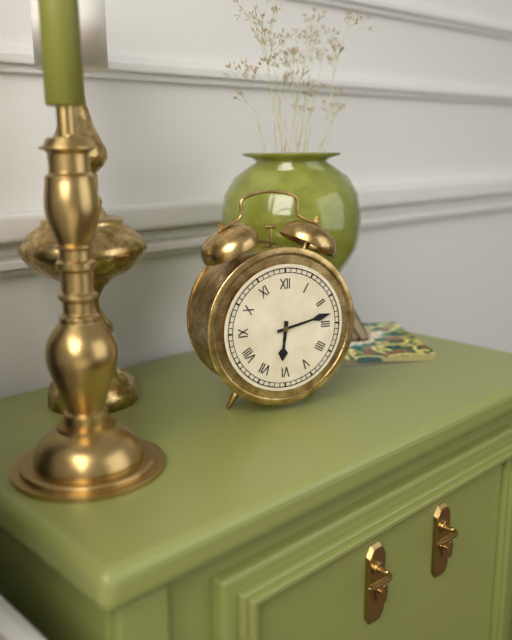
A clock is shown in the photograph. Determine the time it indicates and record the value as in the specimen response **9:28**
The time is **6:13**
